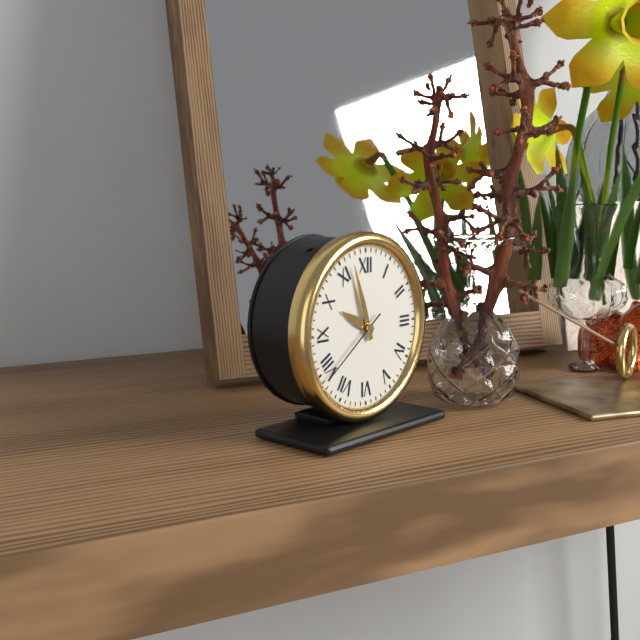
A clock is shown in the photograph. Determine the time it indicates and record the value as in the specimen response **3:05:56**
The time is **9:57:39**
